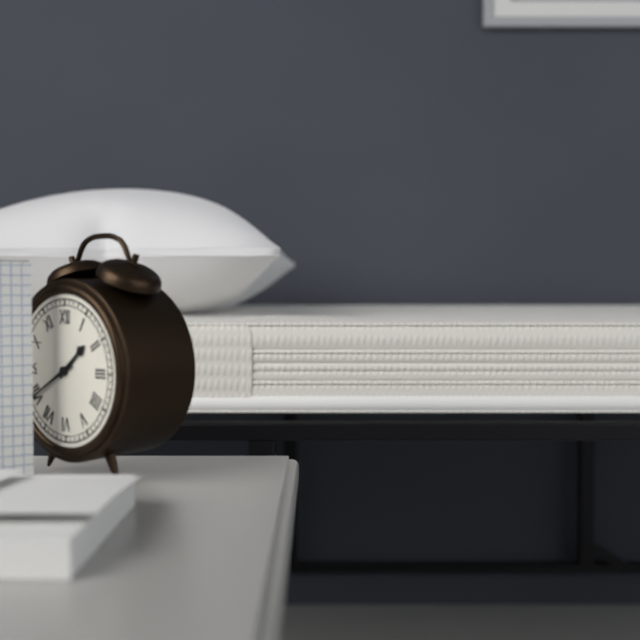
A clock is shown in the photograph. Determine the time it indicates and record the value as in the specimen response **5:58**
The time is **1:40**
